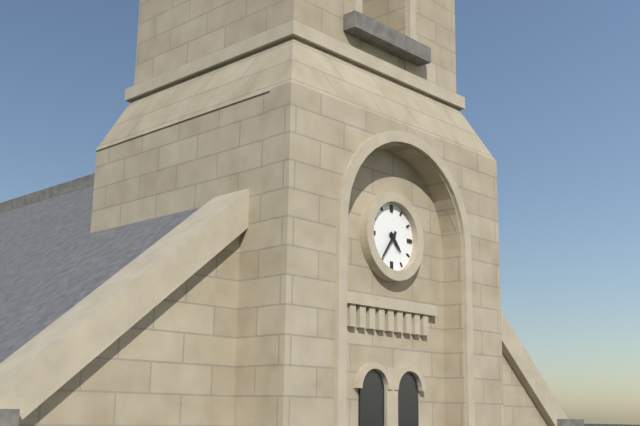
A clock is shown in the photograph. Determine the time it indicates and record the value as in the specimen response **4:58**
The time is **4:36**
